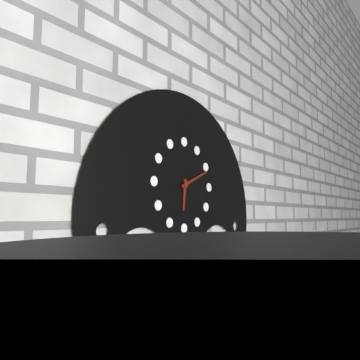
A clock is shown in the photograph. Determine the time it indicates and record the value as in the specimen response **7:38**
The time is **6:11**
